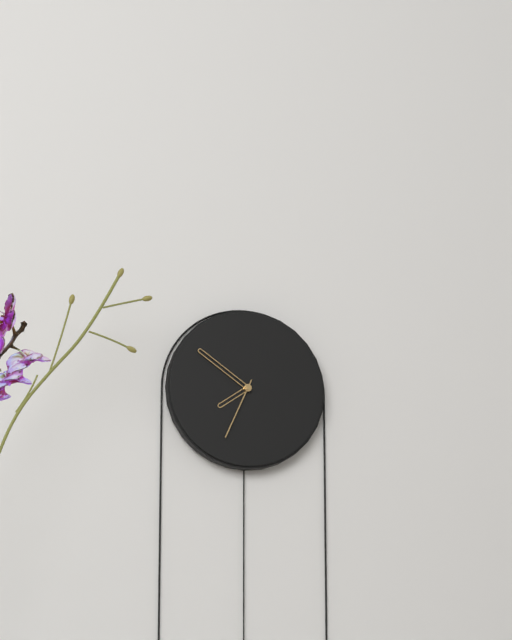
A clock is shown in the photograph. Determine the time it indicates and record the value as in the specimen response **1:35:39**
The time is **7:51:34**
